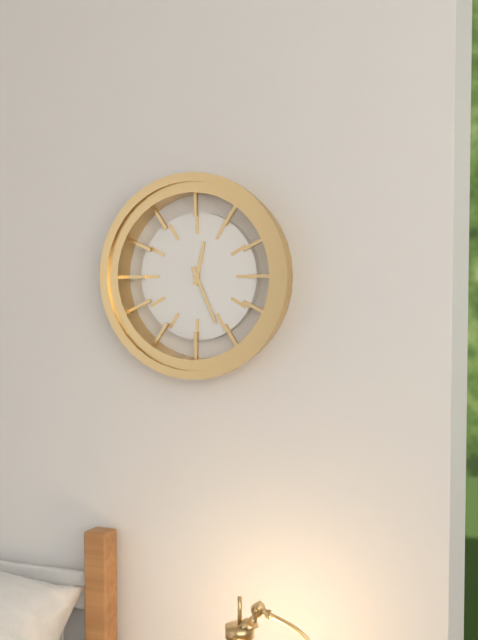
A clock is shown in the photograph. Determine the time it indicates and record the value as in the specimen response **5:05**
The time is **12:26**
